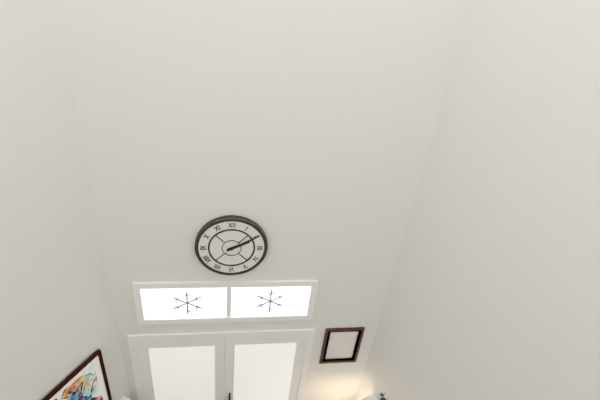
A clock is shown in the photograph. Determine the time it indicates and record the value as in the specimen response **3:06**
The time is **2:10**
